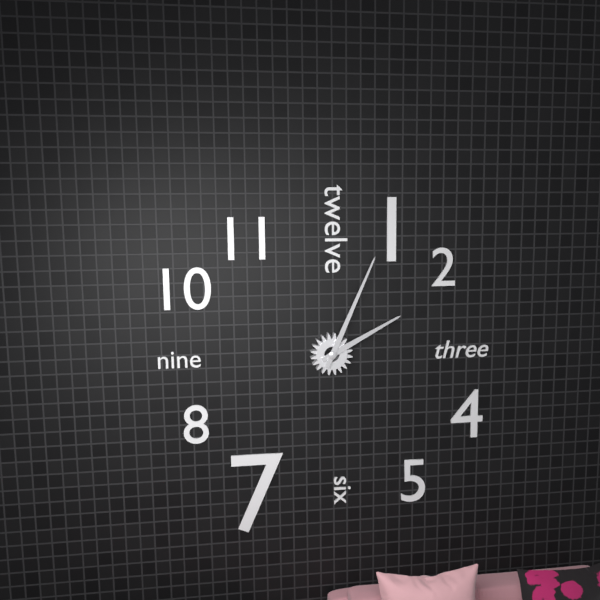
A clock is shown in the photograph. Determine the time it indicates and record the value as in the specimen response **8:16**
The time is **2:04**
